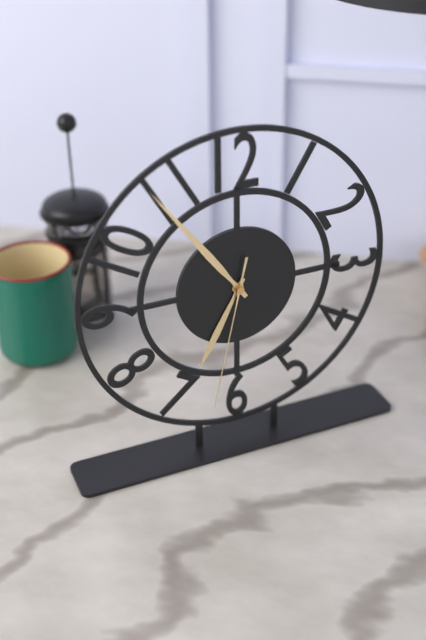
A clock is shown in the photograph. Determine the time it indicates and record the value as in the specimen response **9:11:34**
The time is **6:54:32**
